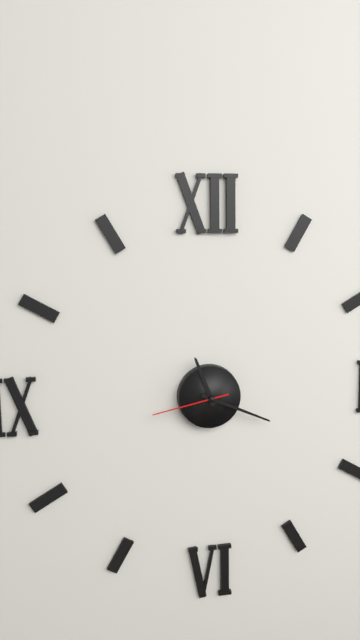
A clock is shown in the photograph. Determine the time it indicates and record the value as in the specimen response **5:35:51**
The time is **11:19:43**
